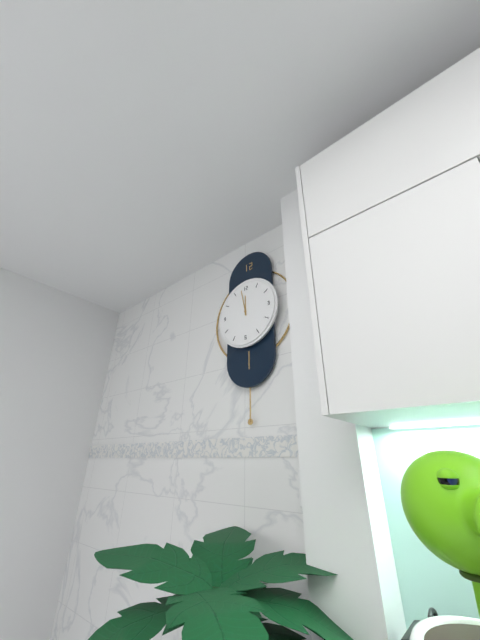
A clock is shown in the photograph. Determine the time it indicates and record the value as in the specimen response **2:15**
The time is **11:58**
